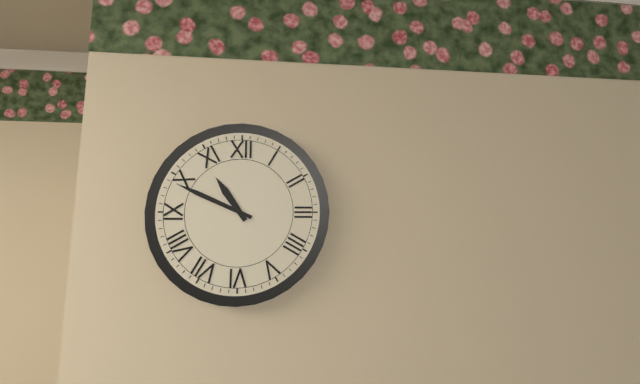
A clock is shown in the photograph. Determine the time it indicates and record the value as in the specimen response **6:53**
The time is **10:49**
